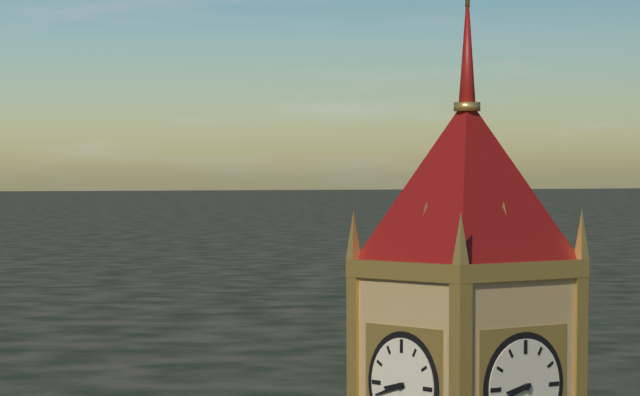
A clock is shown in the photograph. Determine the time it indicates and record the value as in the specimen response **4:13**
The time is **8:42**
